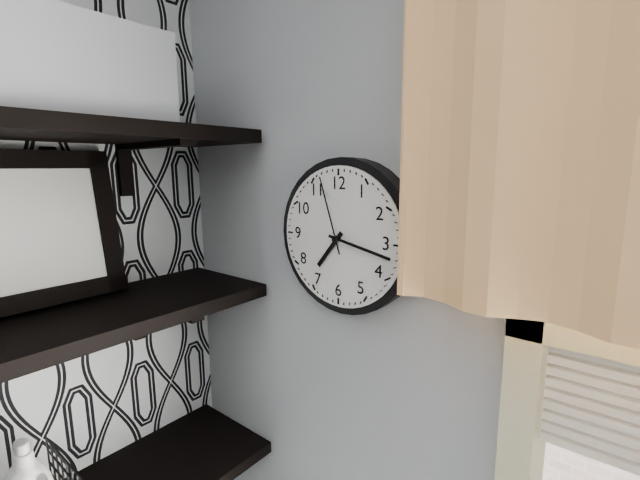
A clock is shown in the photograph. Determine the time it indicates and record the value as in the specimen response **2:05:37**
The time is **7:17:57**
